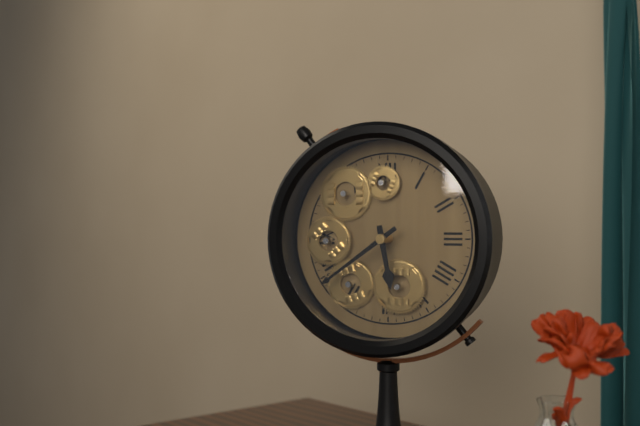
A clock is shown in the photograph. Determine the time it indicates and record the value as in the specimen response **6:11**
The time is **5:39**
